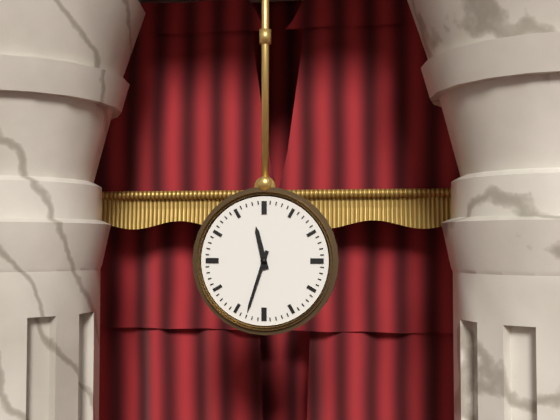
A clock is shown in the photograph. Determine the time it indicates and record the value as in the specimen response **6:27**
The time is **11:33**
